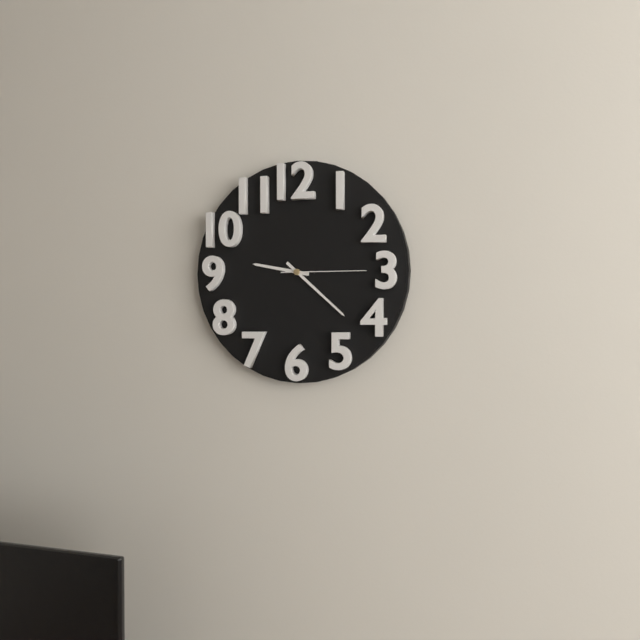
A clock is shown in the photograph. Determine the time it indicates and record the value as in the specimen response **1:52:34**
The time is **9:22:15**
